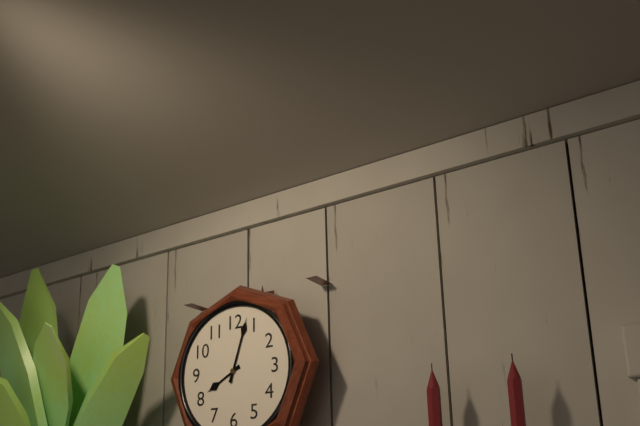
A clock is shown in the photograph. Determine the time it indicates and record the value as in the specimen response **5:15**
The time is **8:03**
